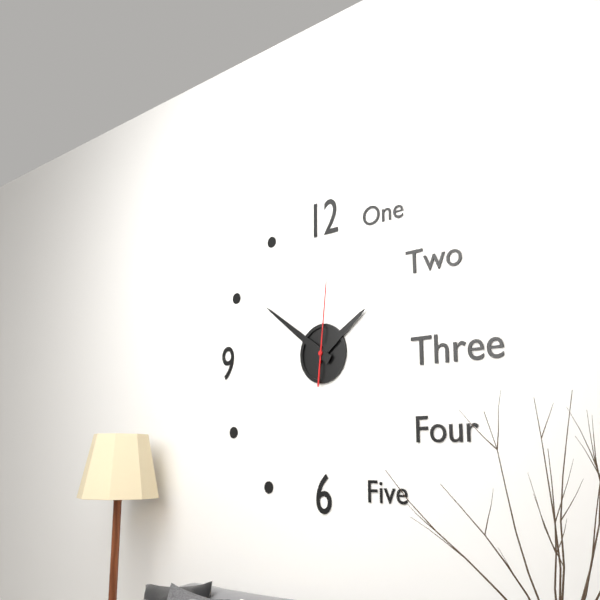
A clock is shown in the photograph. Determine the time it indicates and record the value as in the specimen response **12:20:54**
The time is **1:51:01**
